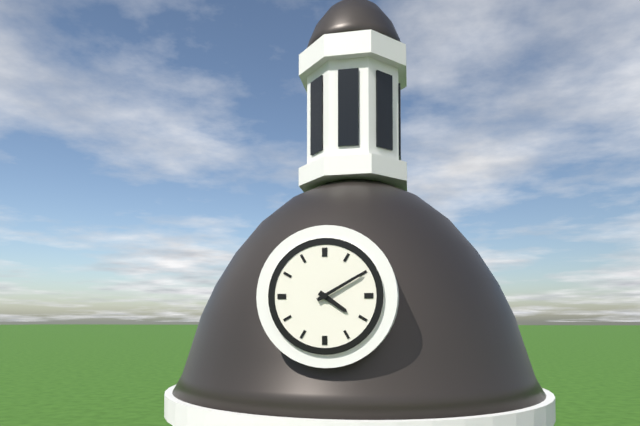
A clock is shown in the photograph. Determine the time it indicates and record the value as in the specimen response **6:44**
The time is **4:10**
